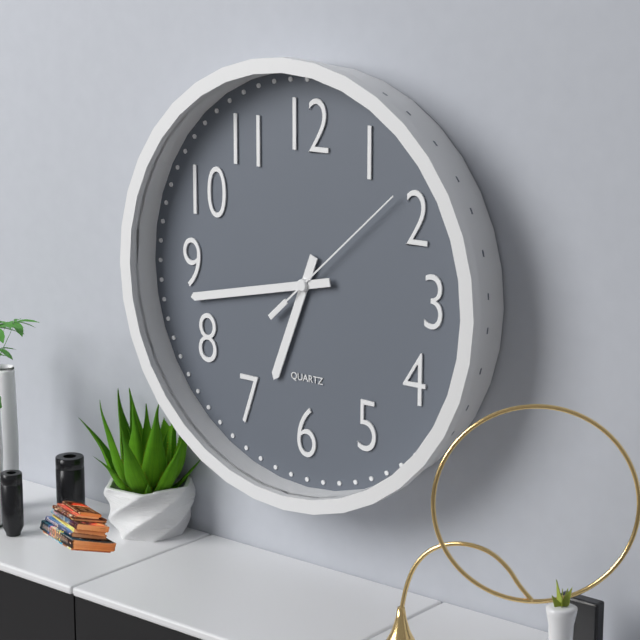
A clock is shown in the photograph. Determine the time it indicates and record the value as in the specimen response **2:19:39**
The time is **6:43:08**
